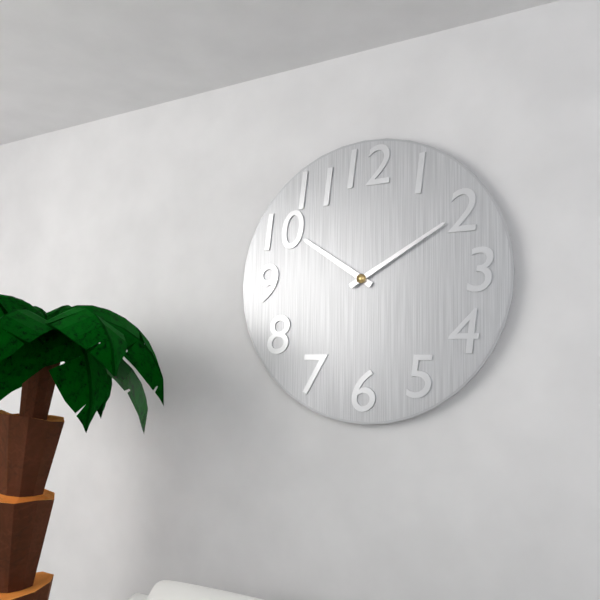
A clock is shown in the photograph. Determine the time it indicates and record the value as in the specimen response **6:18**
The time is **10:10**
